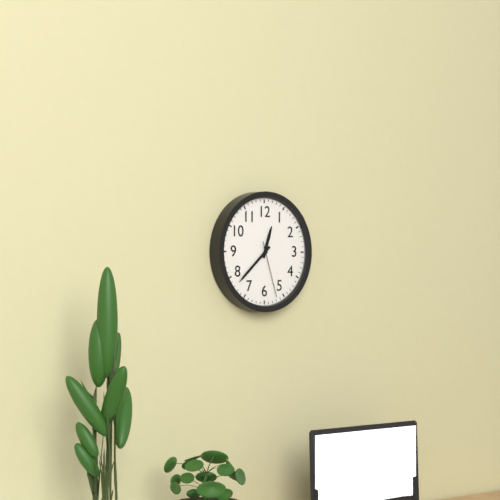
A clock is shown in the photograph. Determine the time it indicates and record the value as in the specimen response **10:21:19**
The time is **12:38:27**
